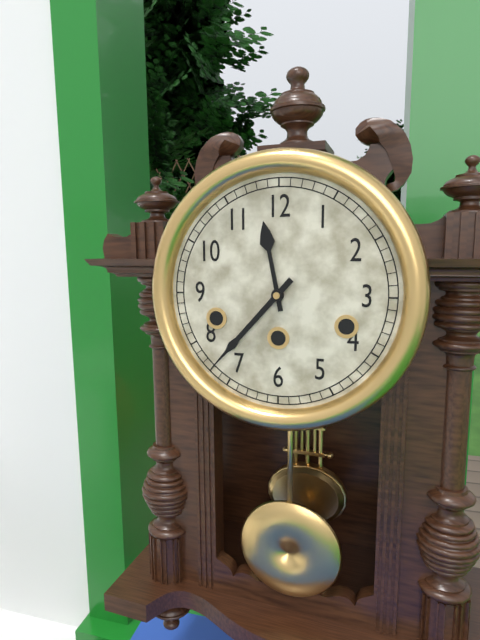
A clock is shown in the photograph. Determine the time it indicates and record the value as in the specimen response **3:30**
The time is **11:37**
